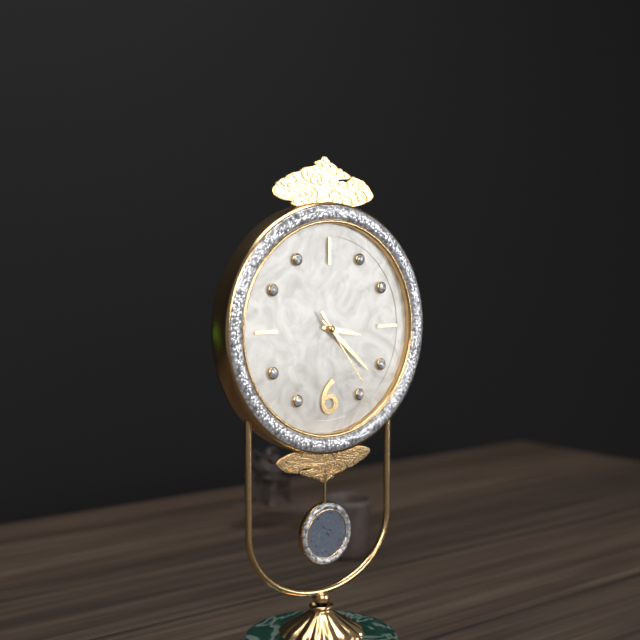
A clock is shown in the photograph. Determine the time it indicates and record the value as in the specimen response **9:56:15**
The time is **3:22:24**
